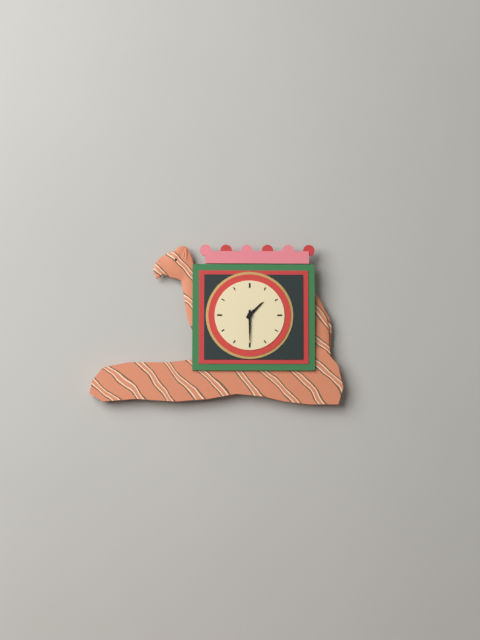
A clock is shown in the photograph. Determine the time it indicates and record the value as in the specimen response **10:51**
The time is **1:30**
